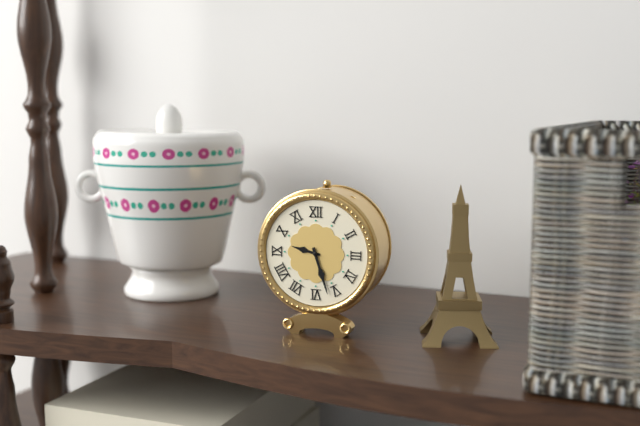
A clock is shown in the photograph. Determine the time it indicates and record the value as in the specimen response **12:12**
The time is **9:27**
